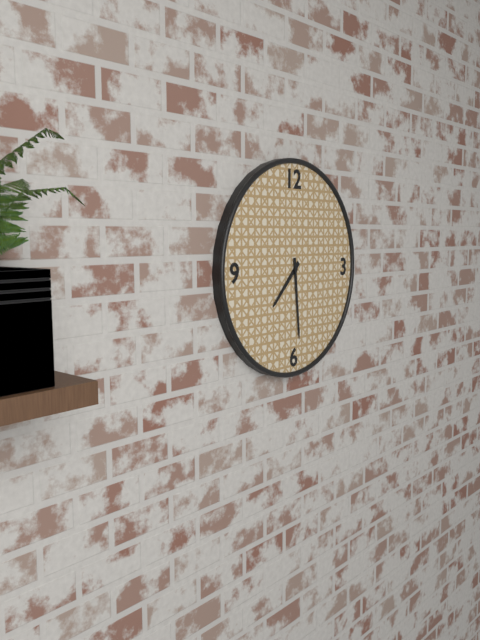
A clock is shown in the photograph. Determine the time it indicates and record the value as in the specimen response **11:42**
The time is **7:29**
